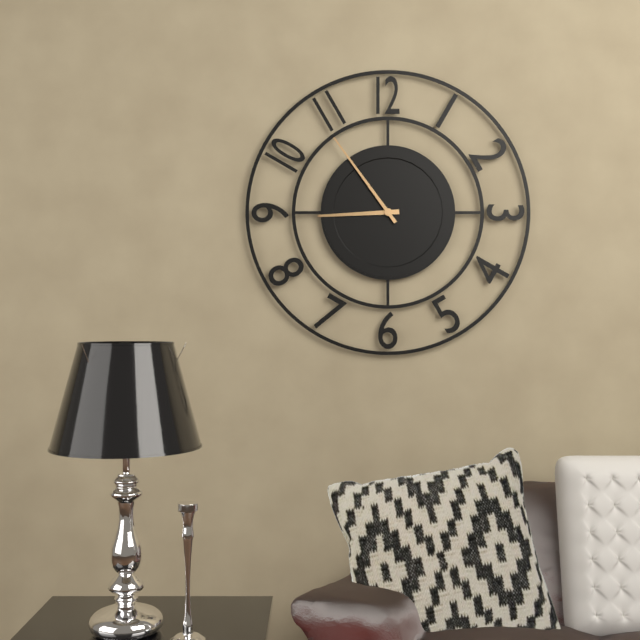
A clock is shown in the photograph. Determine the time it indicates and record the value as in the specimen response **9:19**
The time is **8:54**
